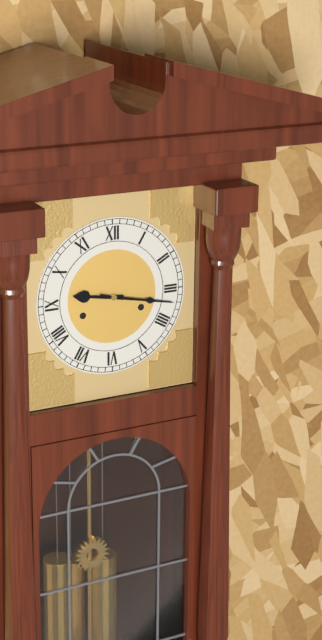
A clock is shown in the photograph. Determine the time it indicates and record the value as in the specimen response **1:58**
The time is **9:17**
